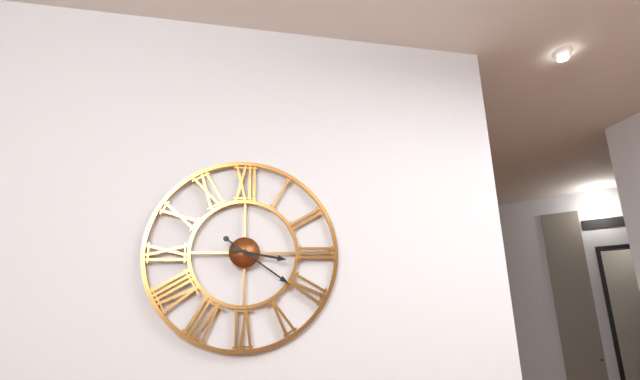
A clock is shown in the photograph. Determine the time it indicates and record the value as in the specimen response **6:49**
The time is **3:21**
